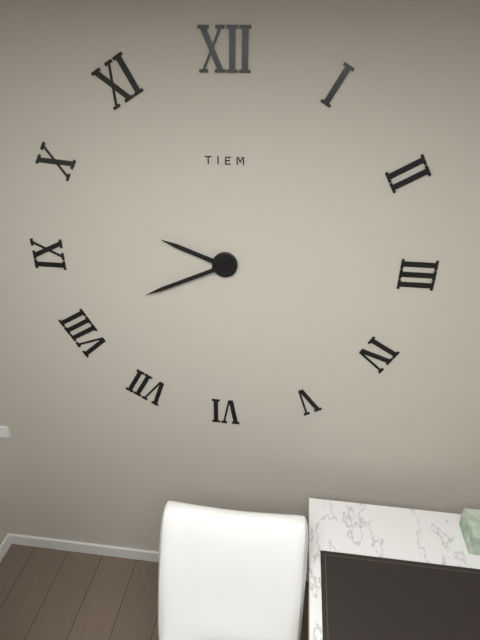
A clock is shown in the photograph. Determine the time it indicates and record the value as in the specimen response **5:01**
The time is **9:41**
